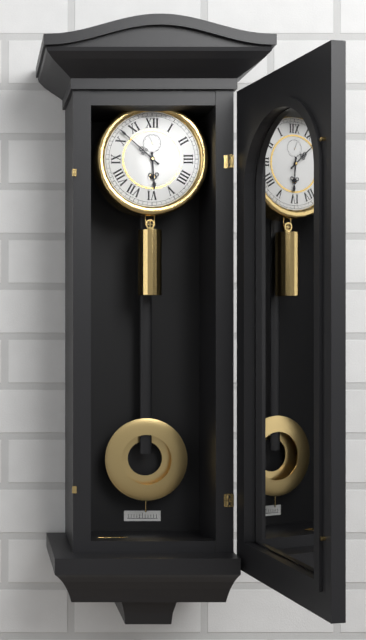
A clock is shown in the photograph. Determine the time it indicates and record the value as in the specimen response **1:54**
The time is **5:52**
